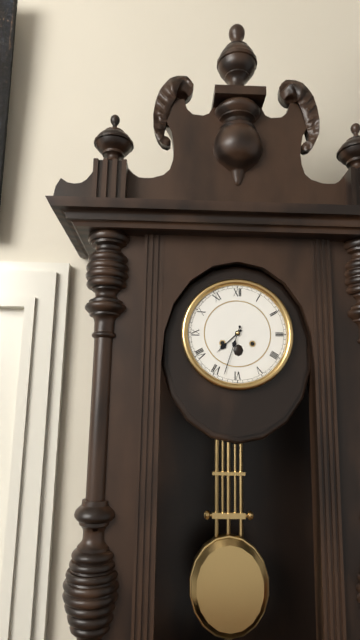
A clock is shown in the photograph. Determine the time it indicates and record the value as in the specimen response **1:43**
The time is **7:33**
